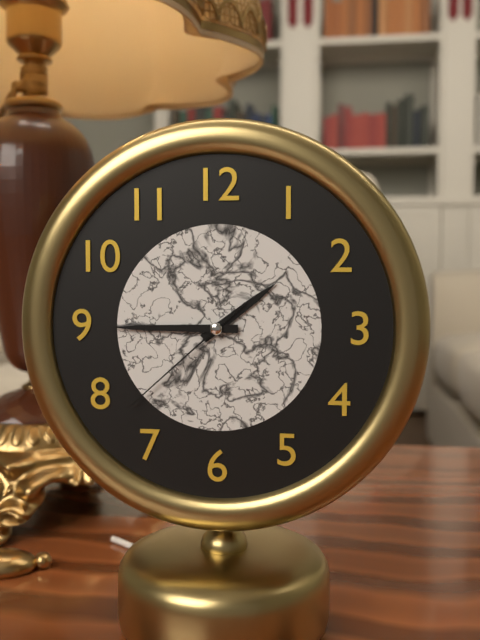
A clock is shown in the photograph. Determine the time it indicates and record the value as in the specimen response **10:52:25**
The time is **1:45:38**
